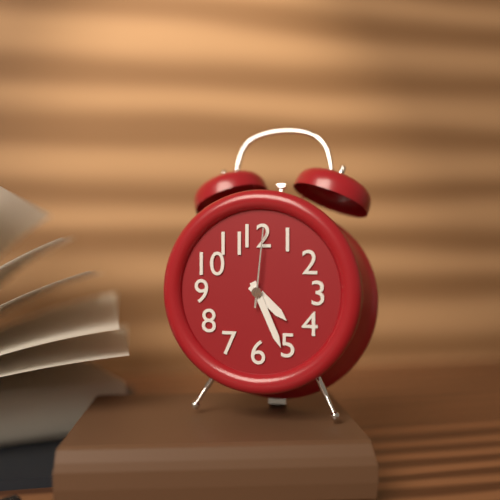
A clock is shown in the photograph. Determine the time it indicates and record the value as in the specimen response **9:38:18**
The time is **4:26:01**
